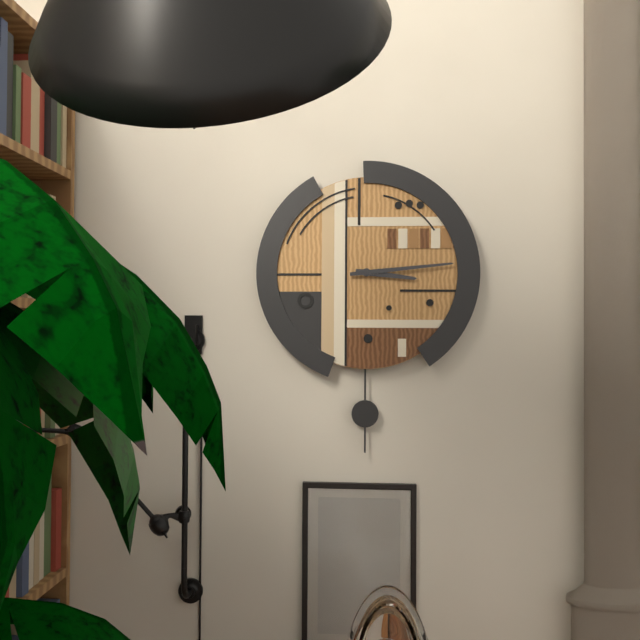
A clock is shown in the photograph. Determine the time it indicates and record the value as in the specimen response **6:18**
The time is **3:14**
